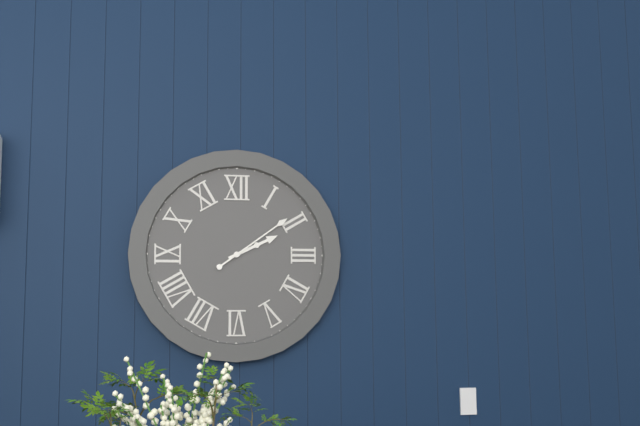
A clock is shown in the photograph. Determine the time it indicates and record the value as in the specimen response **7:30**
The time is **2:09**
